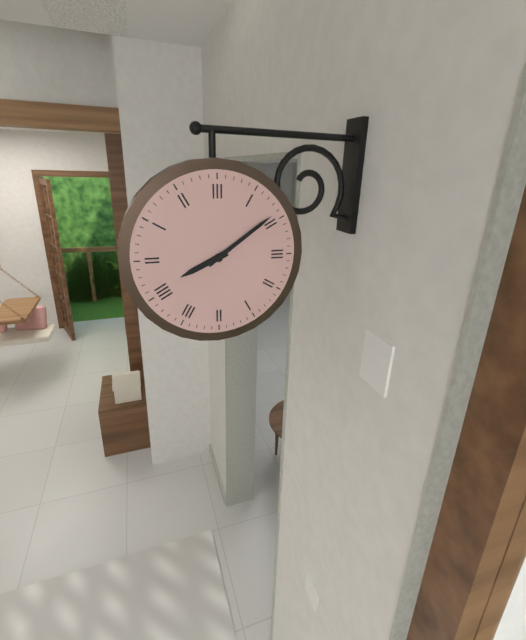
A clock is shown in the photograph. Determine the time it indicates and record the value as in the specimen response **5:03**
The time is **8:09**
